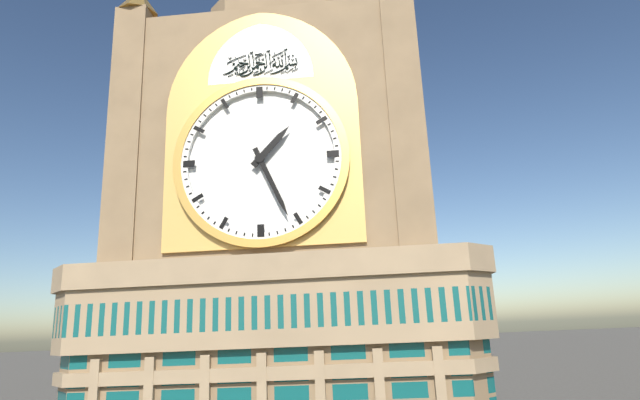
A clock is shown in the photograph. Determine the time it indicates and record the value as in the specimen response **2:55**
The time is **1:26**
